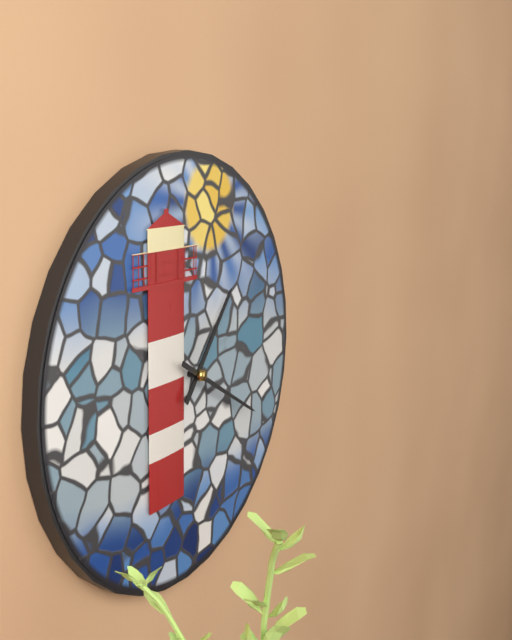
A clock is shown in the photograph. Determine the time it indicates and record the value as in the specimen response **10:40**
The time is **1:20**
